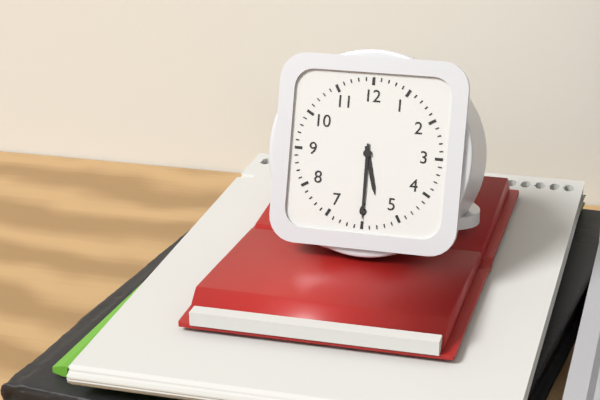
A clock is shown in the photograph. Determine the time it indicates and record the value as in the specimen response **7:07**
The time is **5:30**
